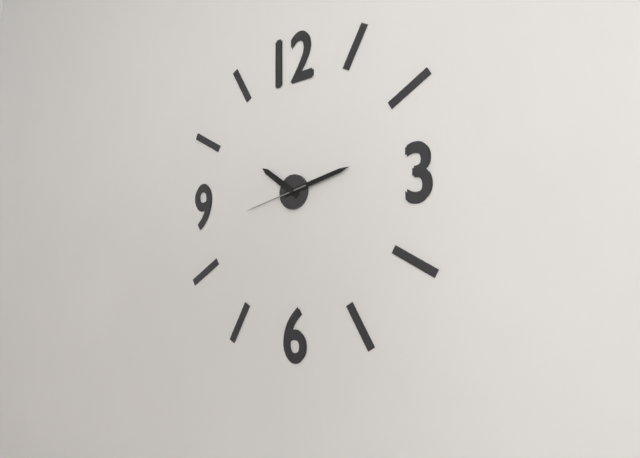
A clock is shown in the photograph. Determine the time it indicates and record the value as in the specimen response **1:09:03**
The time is **10:13:43**
